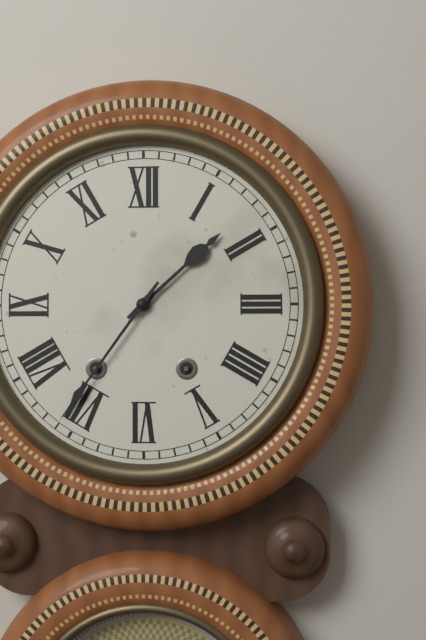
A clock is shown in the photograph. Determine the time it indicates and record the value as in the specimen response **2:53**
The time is **1:36**
